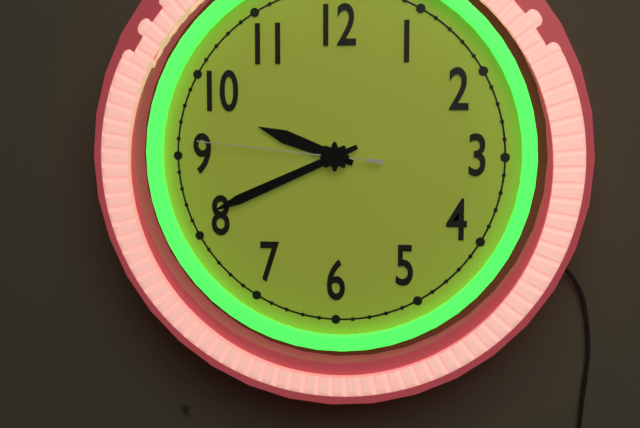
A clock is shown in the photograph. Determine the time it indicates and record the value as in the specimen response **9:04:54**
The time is **9:41:46**
